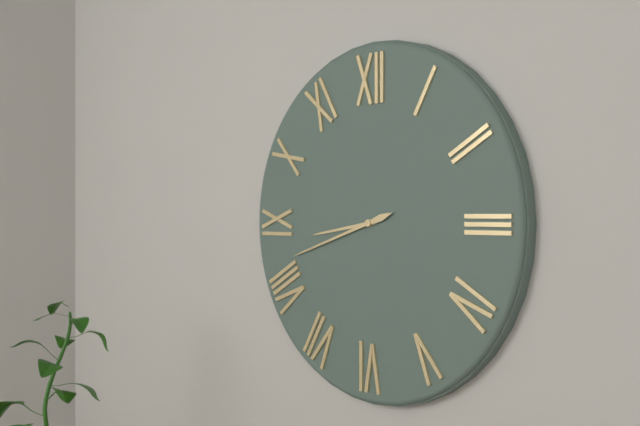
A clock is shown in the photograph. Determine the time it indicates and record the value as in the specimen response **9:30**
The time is **8:42**
